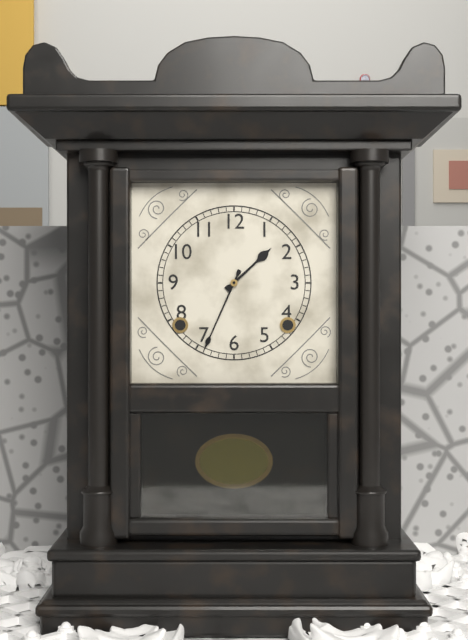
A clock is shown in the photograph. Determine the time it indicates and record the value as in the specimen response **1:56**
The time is **1:34**
